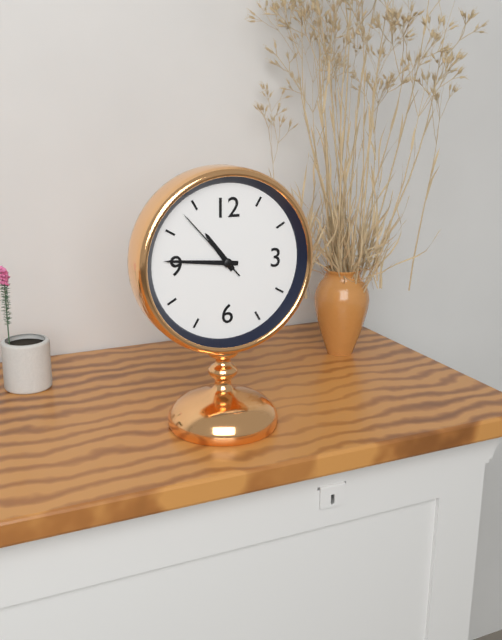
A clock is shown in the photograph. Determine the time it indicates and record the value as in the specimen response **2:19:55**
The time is **10:46:53**
